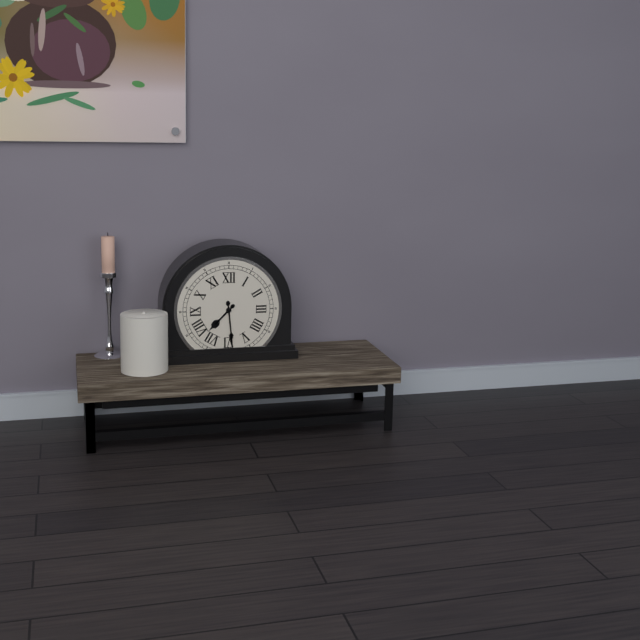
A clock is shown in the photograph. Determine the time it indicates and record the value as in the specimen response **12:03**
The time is **7:29**
